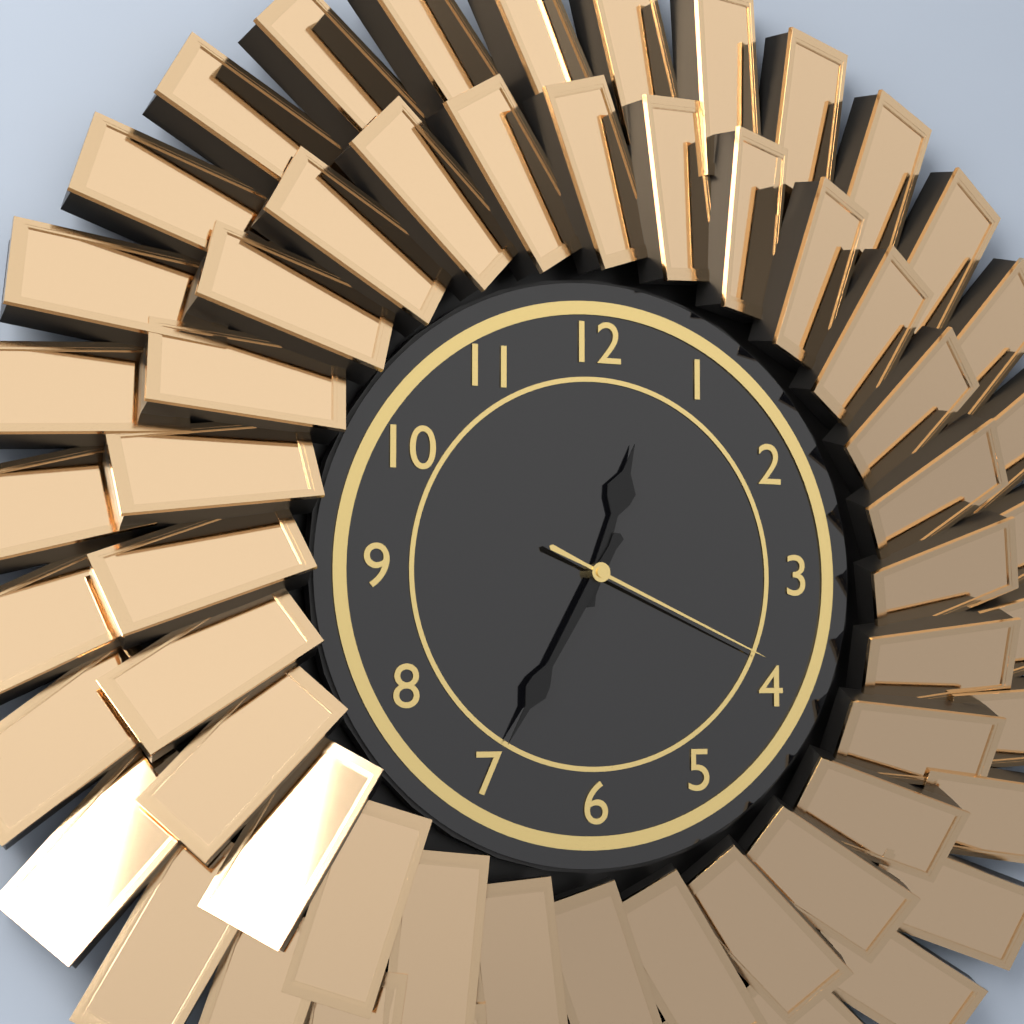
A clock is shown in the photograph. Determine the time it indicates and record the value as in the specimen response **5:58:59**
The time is **12:35:19**
